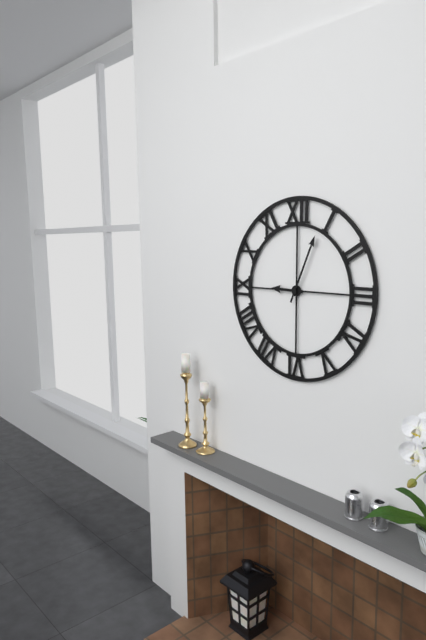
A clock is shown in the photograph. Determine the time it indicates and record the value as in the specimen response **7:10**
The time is **9:04**
